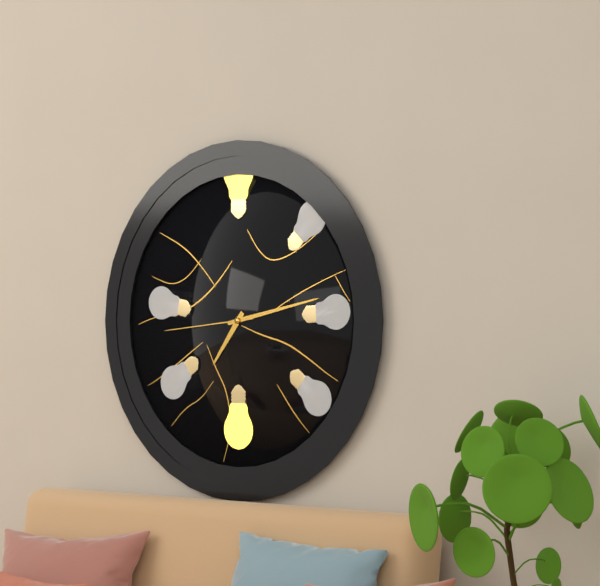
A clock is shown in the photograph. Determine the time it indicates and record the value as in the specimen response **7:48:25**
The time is **7:13:44**
